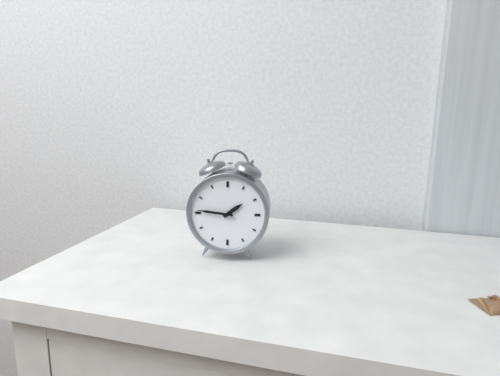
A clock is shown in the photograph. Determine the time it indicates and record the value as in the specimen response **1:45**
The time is **1:46**
